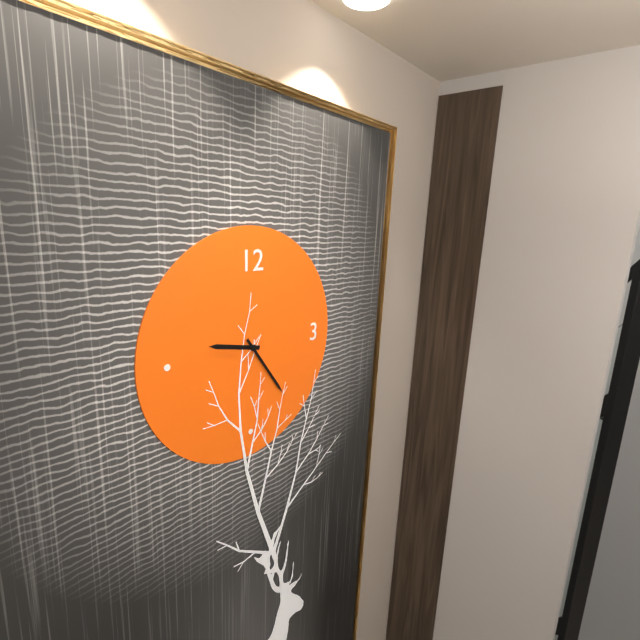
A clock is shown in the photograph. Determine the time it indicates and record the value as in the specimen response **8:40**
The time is **9:24**
